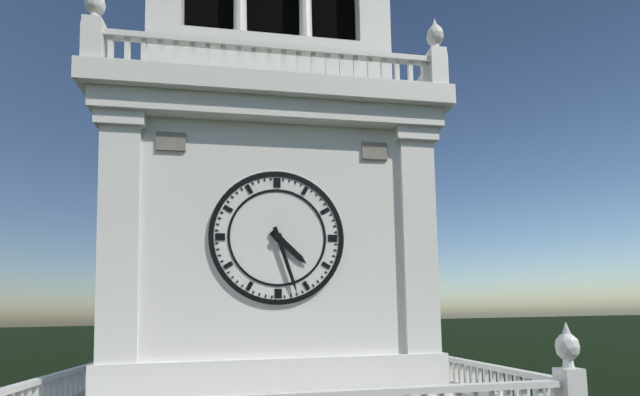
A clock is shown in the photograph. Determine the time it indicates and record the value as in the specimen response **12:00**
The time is **4:27**
